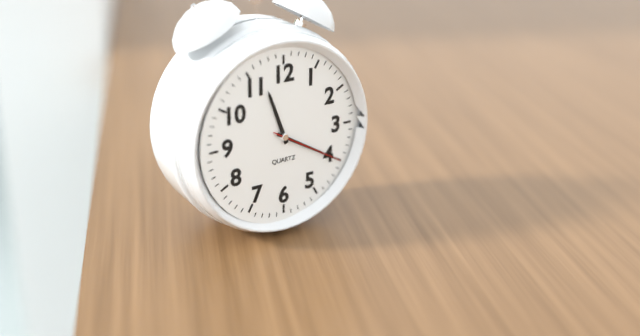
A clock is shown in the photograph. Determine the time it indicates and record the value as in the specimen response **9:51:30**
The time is **11:20:20**
